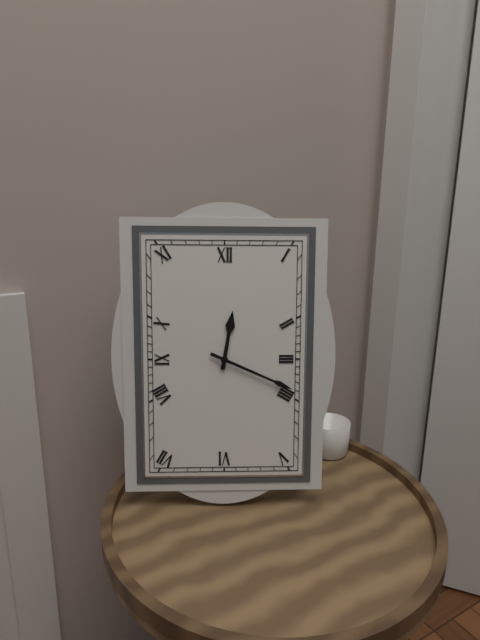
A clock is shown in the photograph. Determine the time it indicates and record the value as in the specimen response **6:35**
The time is **12:19**
